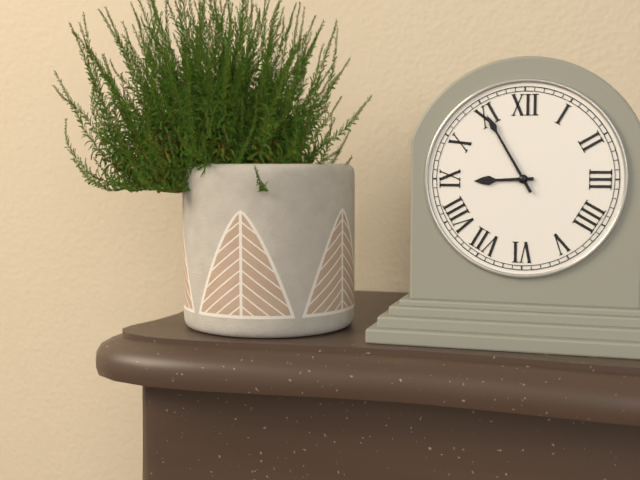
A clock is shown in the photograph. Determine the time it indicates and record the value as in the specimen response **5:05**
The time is **8:55**
